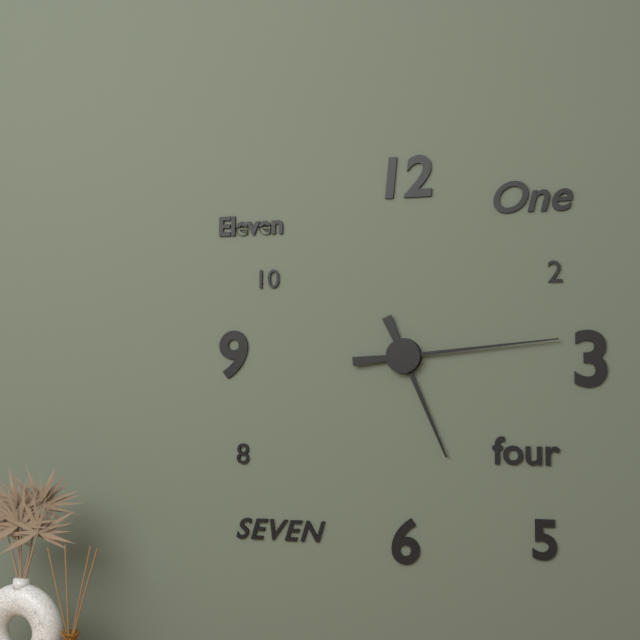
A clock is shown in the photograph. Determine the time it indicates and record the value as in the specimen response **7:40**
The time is **5:14**
